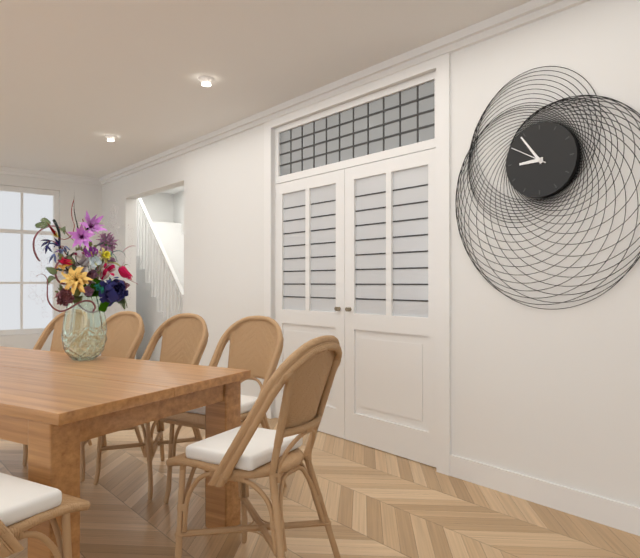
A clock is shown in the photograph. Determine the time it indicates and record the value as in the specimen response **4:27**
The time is **8:54**
